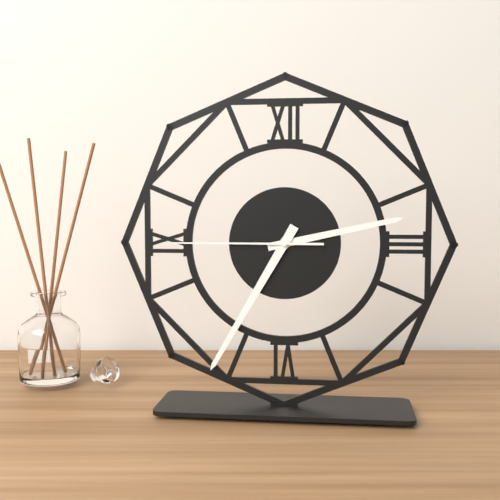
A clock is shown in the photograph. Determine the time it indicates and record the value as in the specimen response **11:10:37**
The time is **2:35:45**
